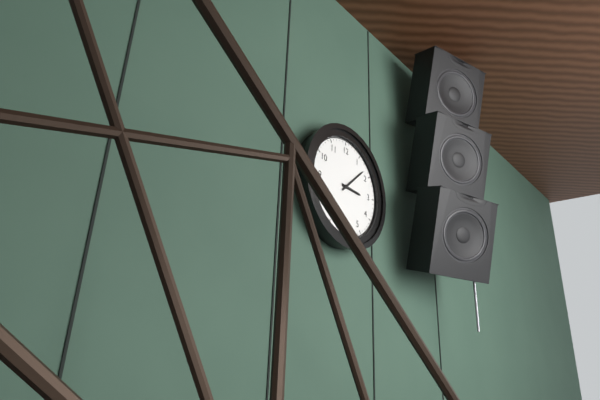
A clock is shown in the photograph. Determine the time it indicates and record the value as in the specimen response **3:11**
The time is **3:08**
